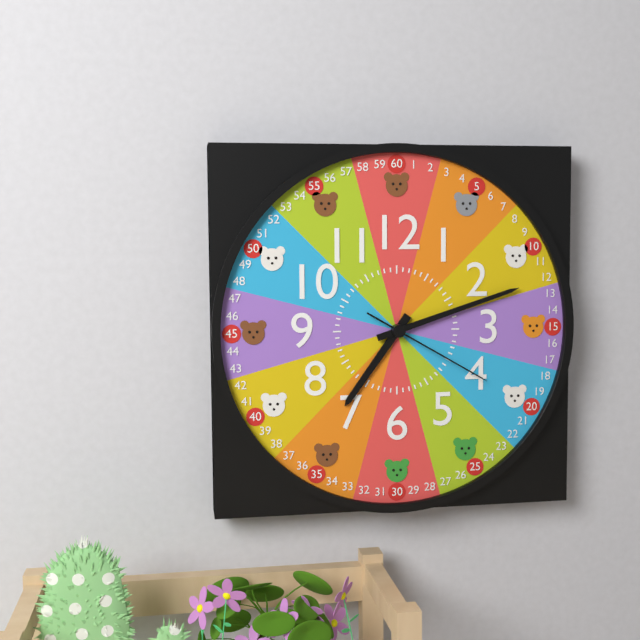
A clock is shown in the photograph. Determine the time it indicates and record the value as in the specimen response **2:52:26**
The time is **7:12:20**
